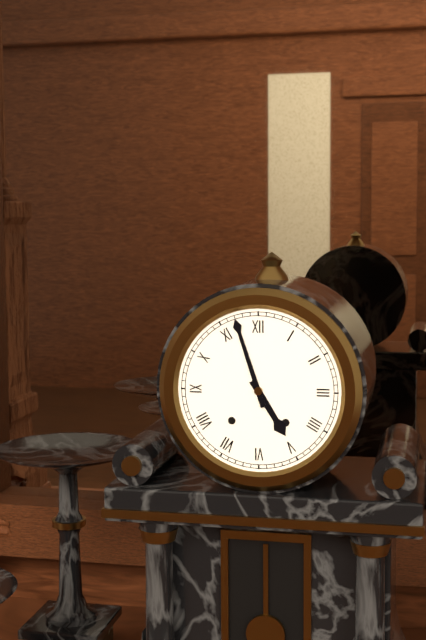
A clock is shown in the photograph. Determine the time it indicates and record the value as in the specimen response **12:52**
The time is **4:57**
